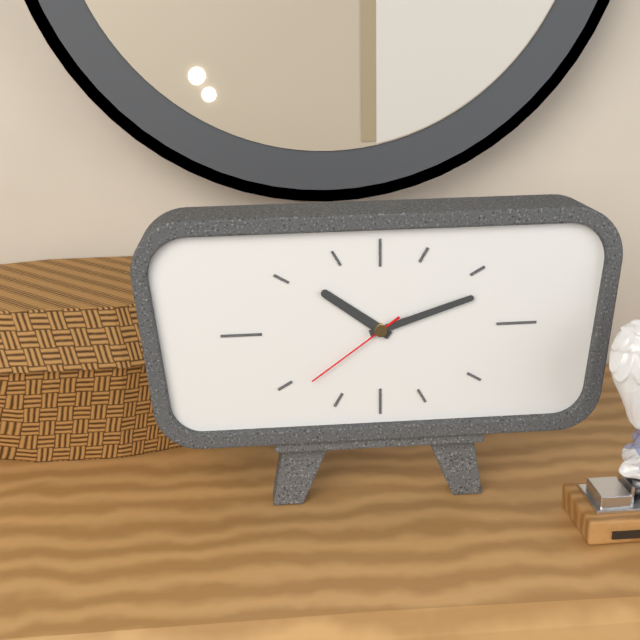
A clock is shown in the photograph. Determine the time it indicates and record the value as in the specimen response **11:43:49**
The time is **10:12:39**
